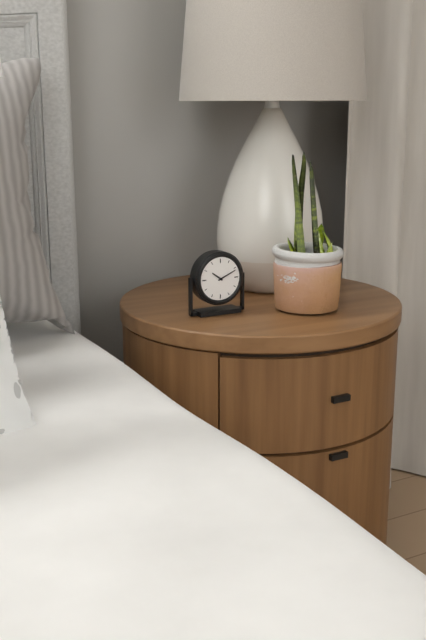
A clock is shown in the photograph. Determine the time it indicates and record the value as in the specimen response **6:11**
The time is **10:11**
